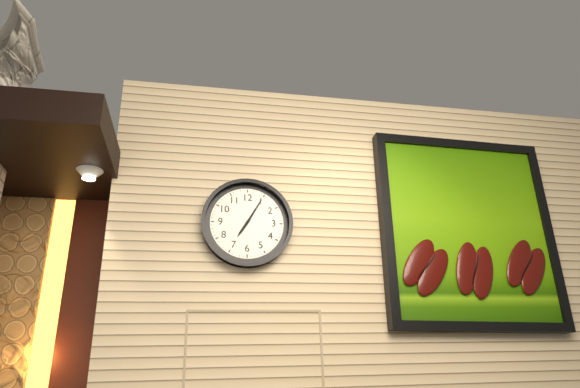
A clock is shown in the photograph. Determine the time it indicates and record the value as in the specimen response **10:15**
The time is **7:05**
